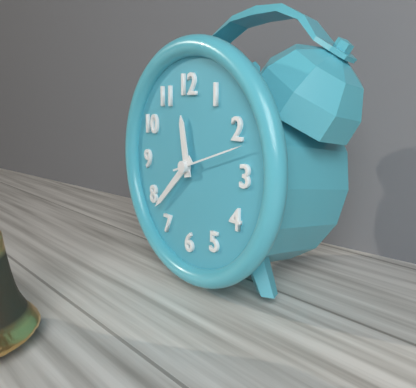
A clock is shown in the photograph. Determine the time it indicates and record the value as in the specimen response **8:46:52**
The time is **11:38:12**
